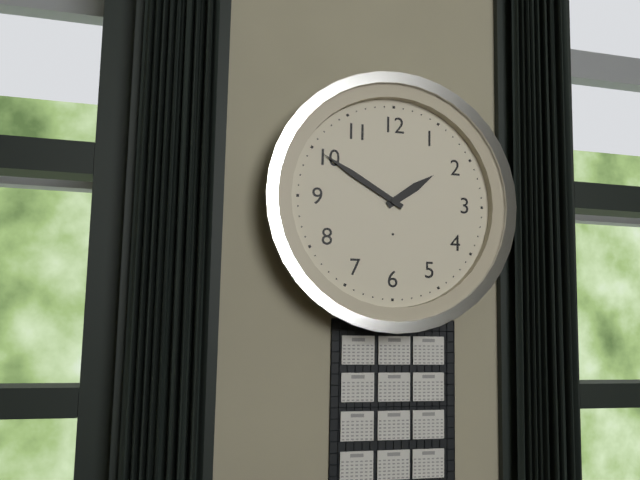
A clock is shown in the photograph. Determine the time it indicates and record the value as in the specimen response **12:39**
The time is **1:50**
